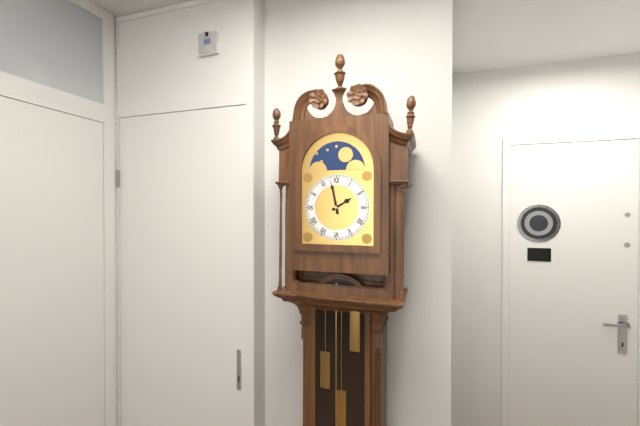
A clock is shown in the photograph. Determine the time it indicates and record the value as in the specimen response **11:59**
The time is **1:58**
